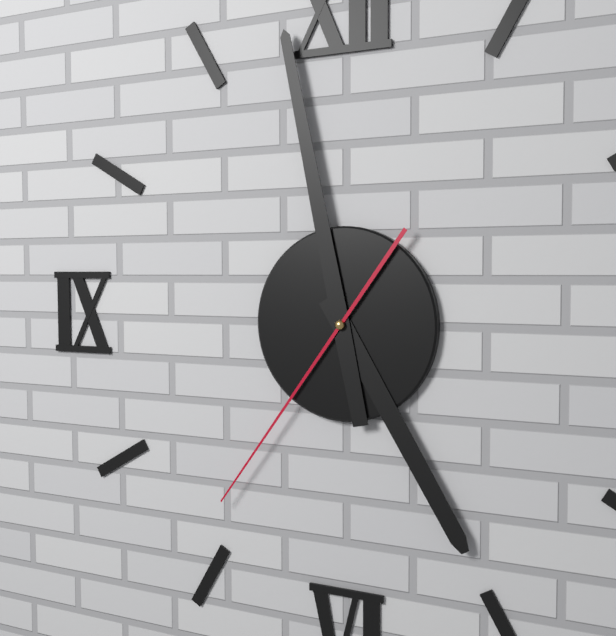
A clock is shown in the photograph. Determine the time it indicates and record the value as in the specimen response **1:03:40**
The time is **4:58:36**
